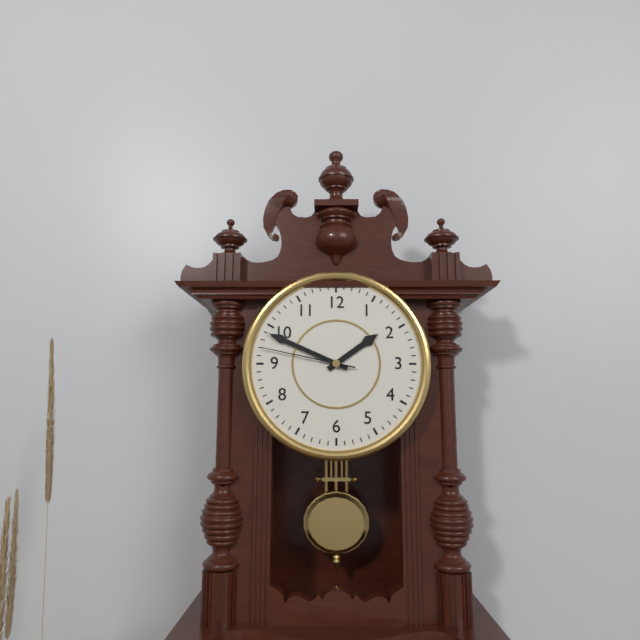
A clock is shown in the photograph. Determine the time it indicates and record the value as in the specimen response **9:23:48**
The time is **1:49:47**
